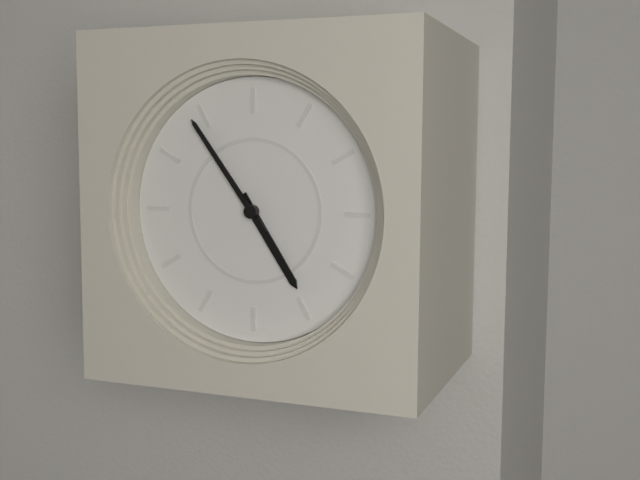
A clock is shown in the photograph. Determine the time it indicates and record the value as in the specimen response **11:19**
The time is **4:54**
